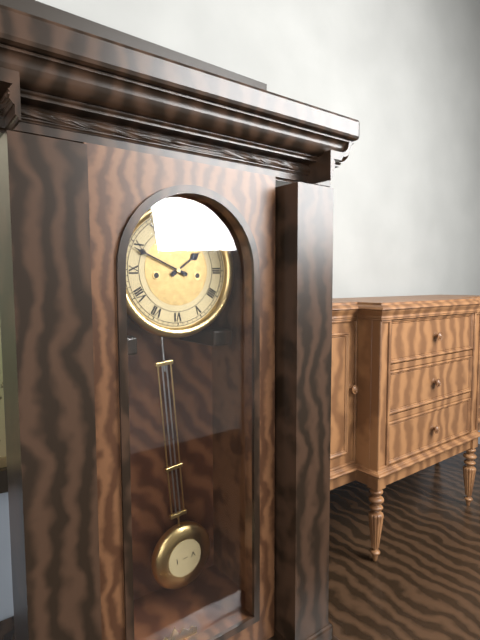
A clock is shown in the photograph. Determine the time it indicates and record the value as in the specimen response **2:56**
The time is **1:49**
